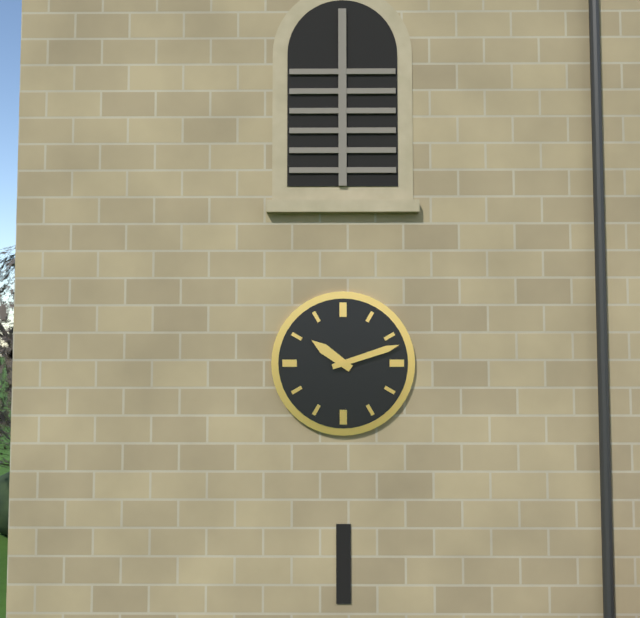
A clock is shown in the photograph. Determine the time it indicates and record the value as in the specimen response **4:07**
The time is **10:12**
